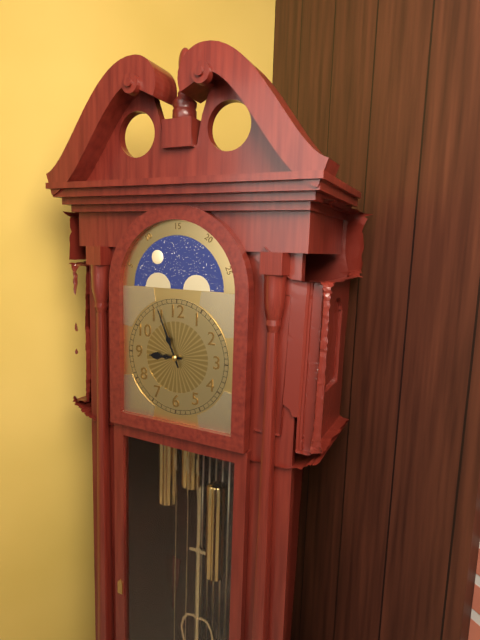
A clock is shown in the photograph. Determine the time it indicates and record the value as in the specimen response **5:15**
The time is **8:56**
